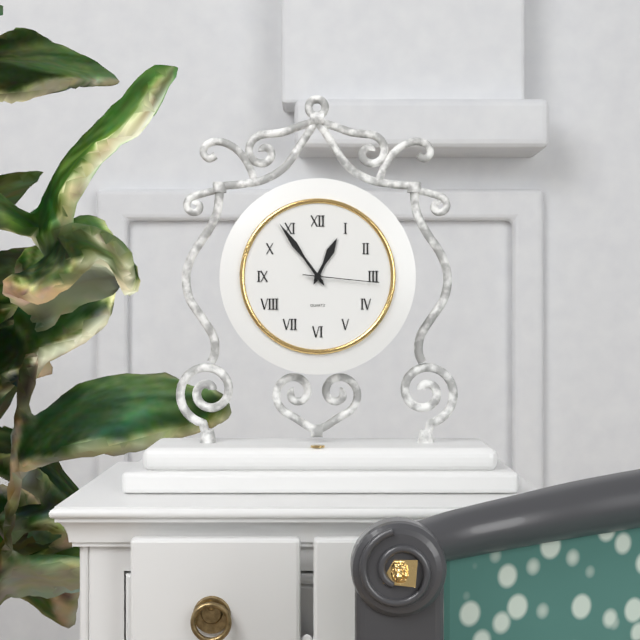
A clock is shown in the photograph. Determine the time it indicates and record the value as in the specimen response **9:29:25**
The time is **12:54:16**
